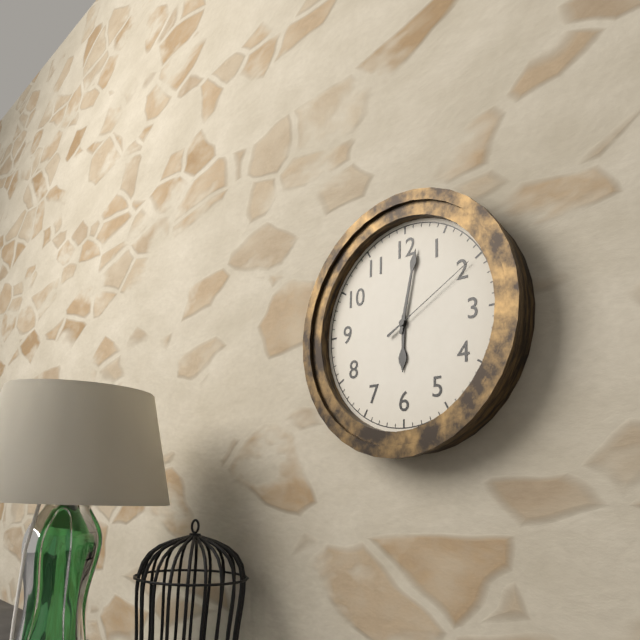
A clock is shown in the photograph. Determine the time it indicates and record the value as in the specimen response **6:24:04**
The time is **6:02:10**
